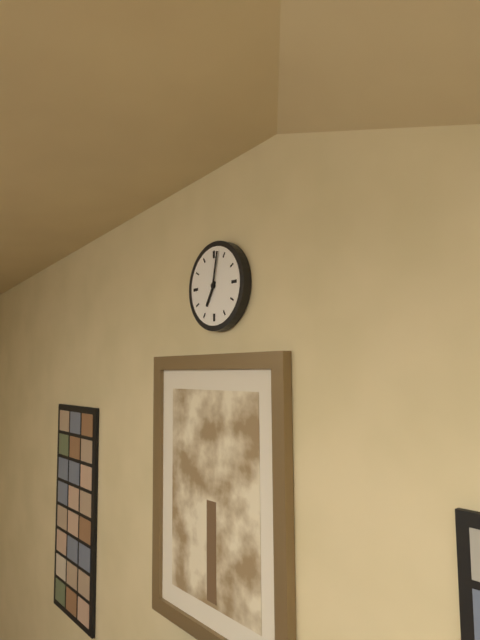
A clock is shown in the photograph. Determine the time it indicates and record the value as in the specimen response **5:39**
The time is **7:02**
